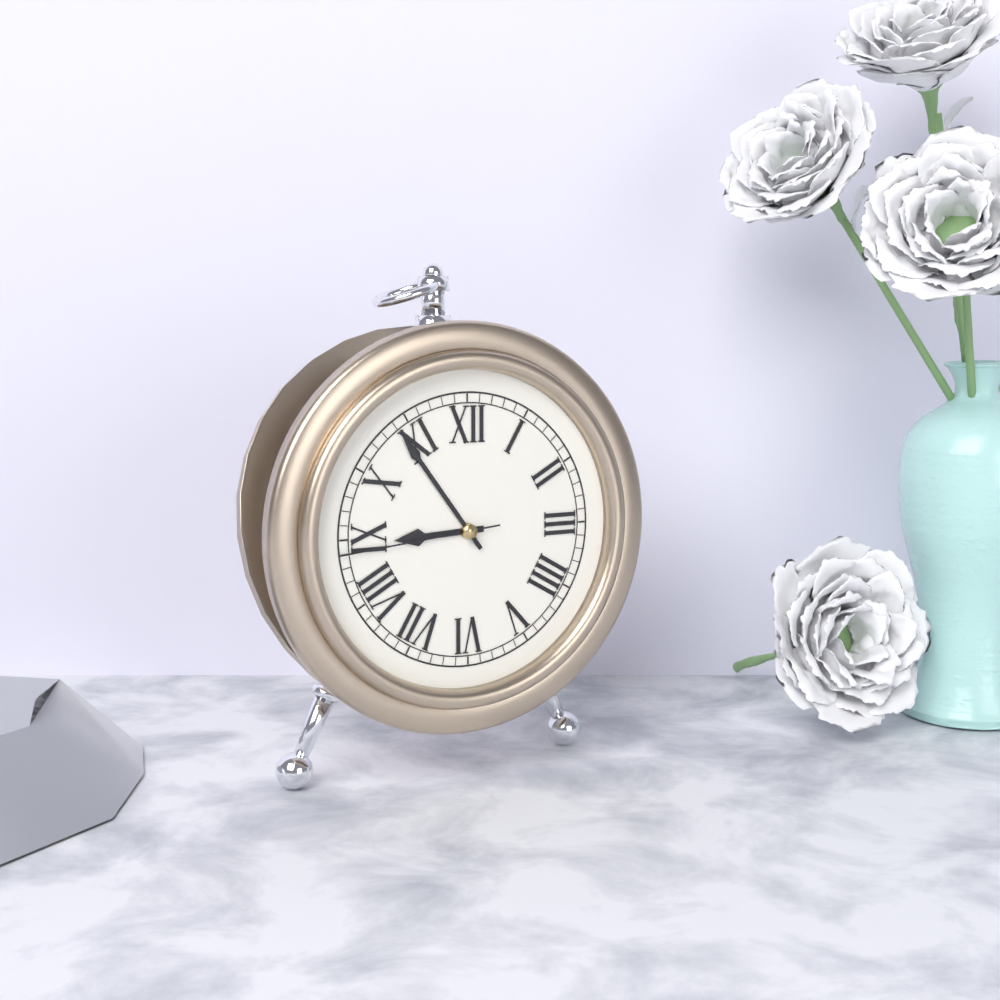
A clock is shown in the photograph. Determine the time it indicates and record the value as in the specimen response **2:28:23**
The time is **8:54:44**
